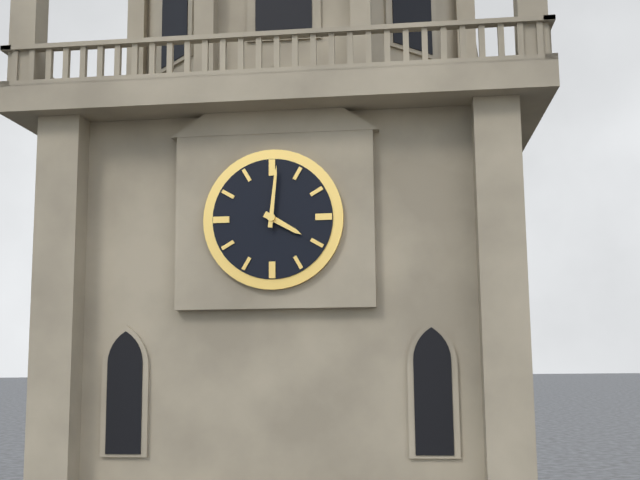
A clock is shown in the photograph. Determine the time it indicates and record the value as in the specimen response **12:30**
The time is **4:01**
